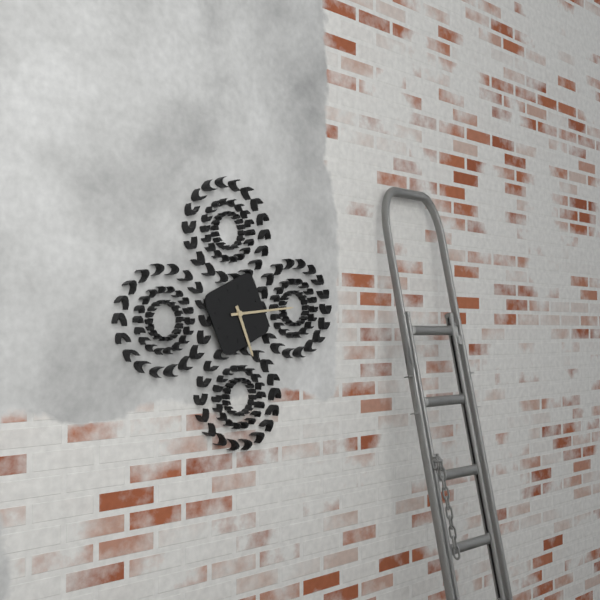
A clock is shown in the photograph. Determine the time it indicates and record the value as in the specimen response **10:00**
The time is **5:14**
